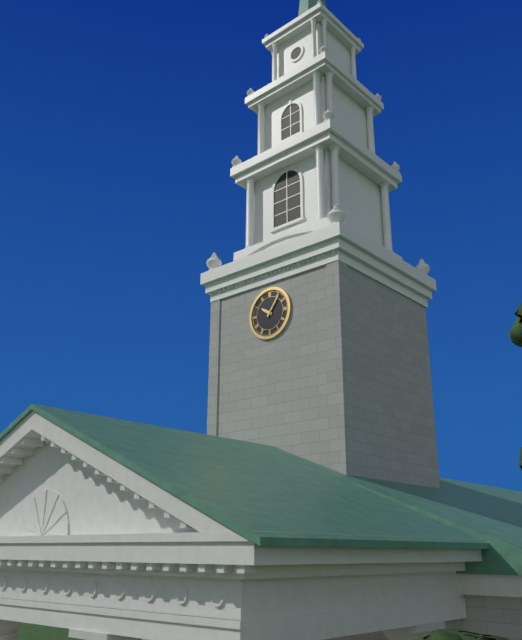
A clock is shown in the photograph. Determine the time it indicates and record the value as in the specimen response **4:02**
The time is **10:06**
